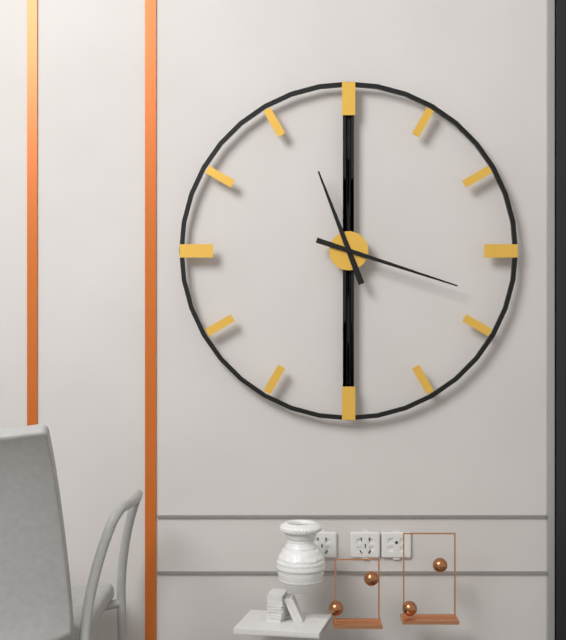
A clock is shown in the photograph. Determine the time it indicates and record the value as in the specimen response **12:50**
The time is **11:18**
